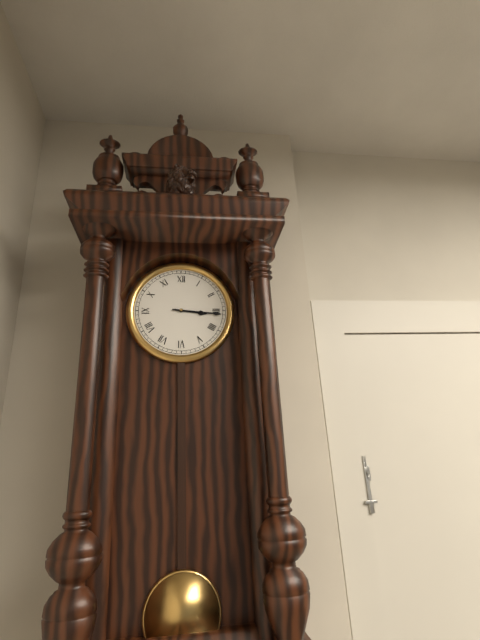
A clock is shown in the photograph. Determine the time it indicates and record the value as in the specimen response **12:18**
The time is **3:16**
